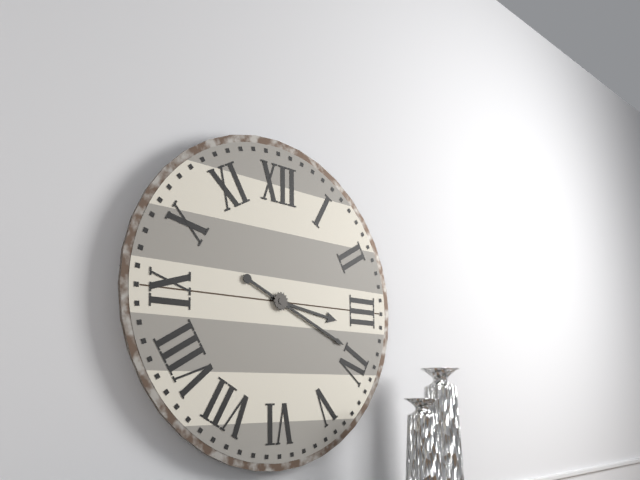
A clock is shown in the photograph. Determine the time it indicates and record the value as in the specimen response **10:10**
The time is **3:19**
